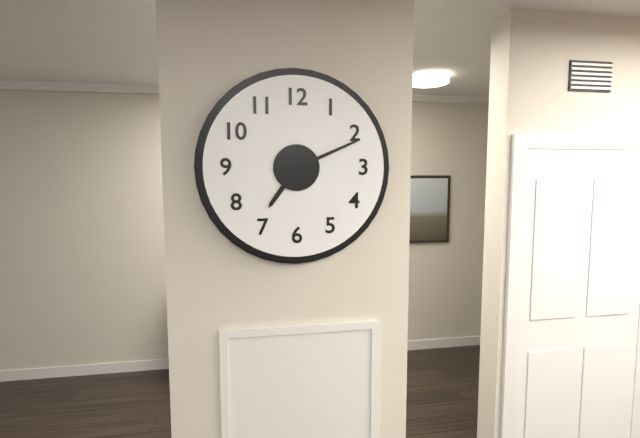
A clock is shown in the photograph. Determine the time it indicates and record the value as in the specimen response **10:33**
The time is **7:11**
